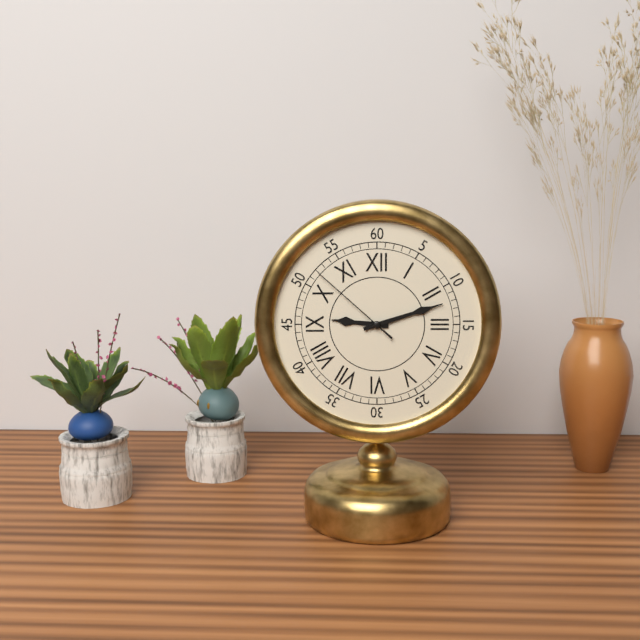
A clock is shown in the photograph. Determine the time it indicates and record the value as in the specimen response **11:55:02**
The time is **9:12:52**
